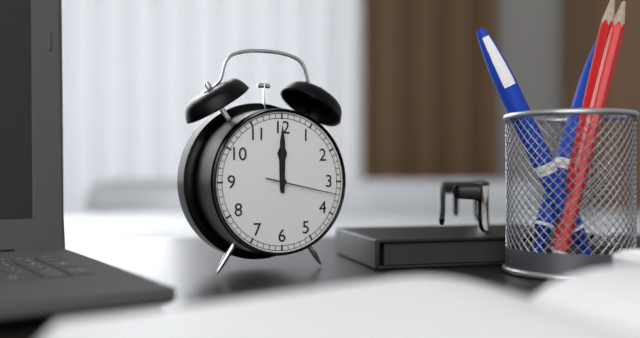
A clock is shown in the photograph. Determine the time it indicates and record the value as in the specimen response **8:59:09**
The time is **12:00:17**
